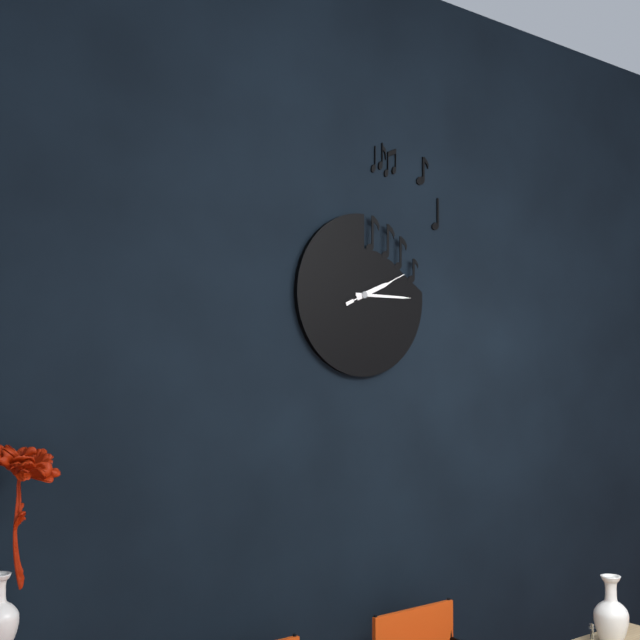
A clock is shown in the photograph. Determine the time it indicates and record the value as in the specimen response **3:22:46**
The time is **2:15:11**
